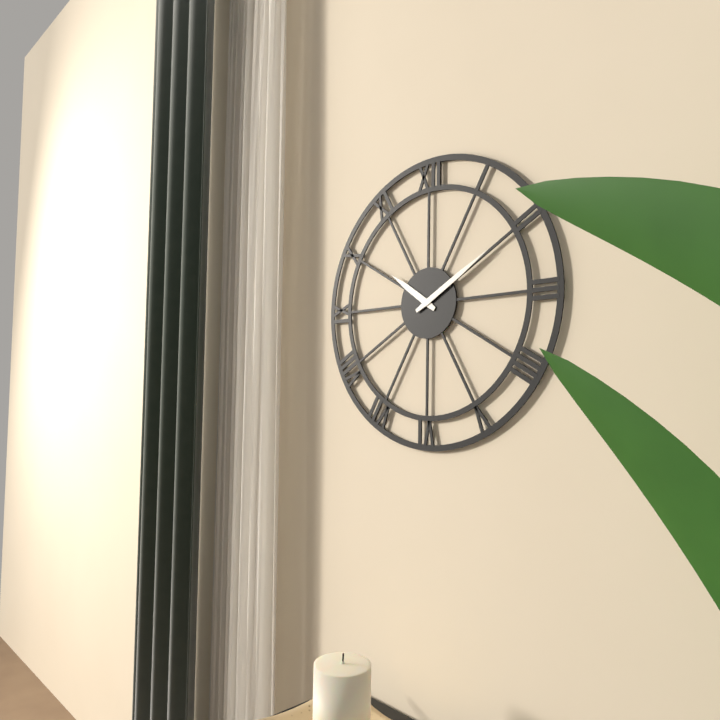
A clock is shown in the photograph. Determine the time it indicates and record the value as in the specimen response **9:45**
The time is **10:10**
